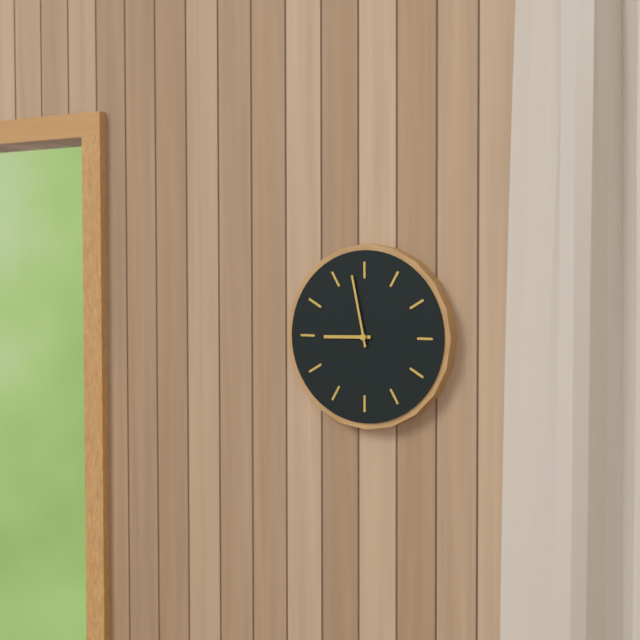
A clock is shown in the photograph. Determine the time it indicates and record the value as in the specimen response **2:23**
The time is **8:58**
